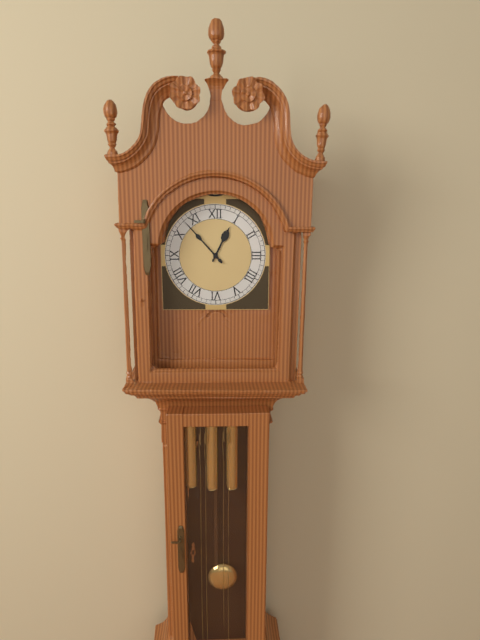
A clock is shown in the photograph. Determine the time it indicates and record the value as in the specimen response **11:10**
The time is **12:53**
